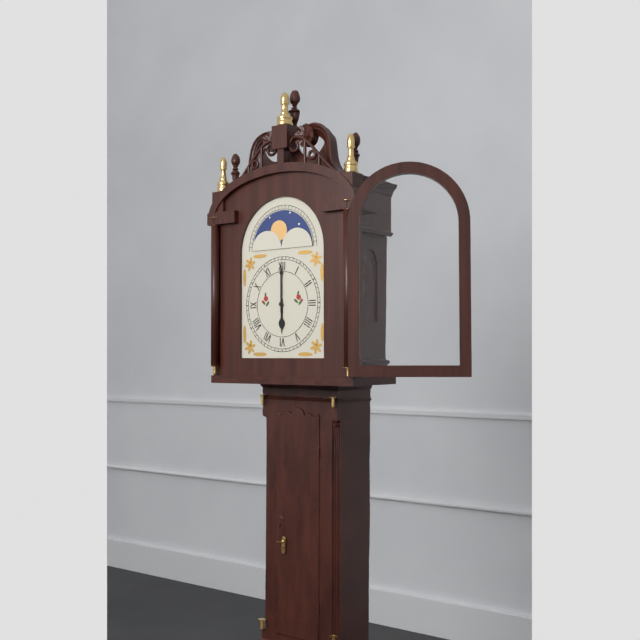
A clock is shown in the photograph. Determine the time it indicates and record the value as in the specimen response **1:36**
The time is **6:00**
